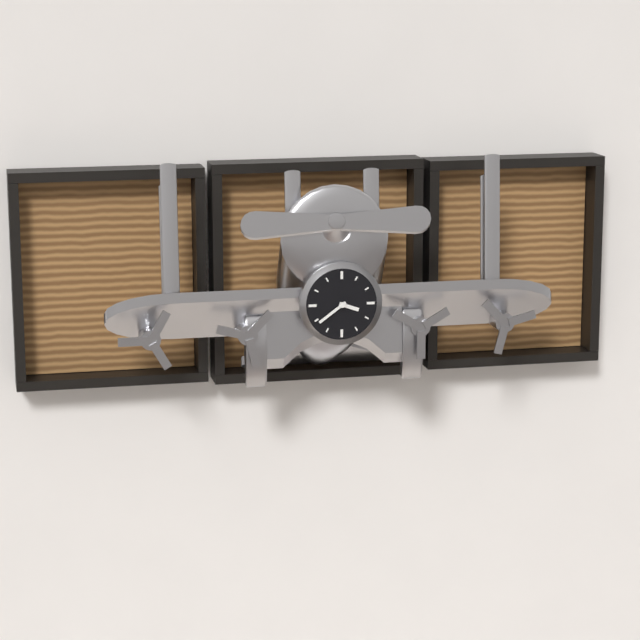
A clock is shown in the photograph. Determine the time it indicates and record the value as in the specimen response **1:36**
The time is **3:39**
